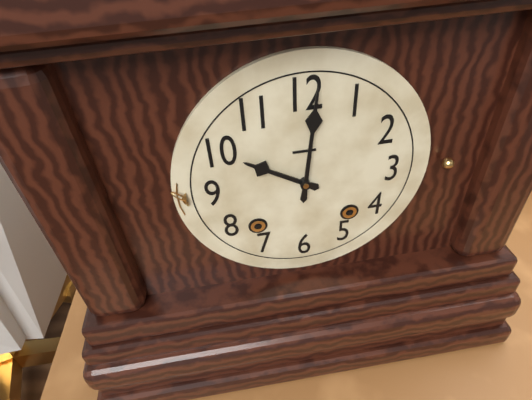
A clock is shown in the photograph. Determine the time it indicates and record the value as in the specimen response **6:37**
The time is **10:01**
